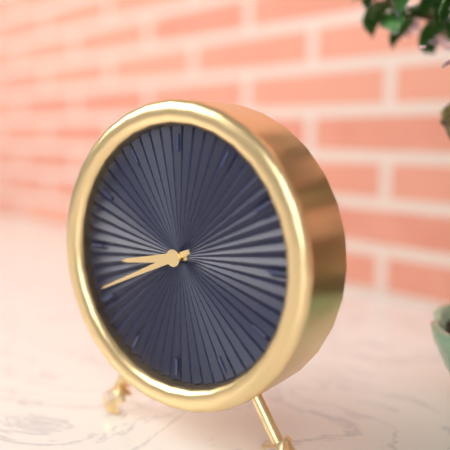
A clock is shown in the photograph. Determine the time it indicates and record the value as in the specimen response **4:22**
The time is **8:41**
